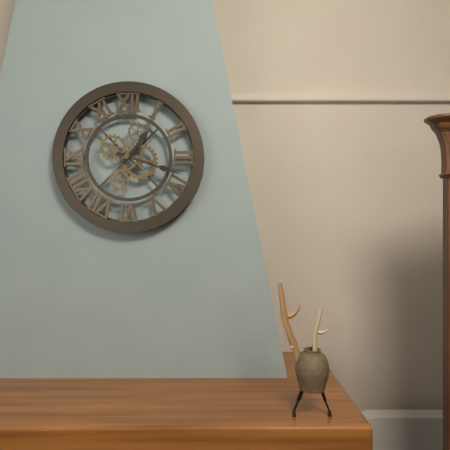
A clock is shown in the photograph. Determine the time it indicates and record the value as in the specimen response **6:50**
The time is **1:18**
